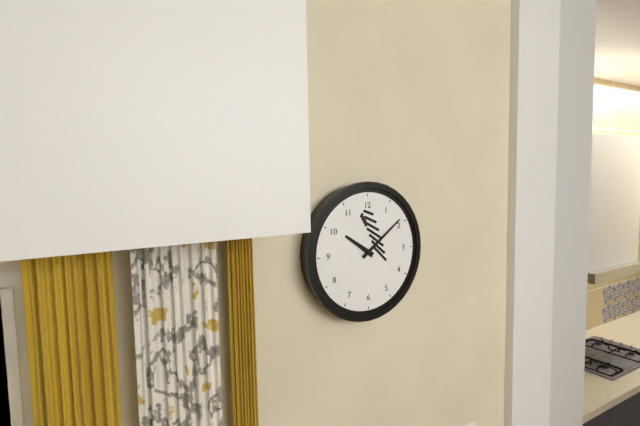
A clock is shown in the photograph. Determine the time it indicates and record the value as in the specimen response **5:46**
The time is **10:09**
